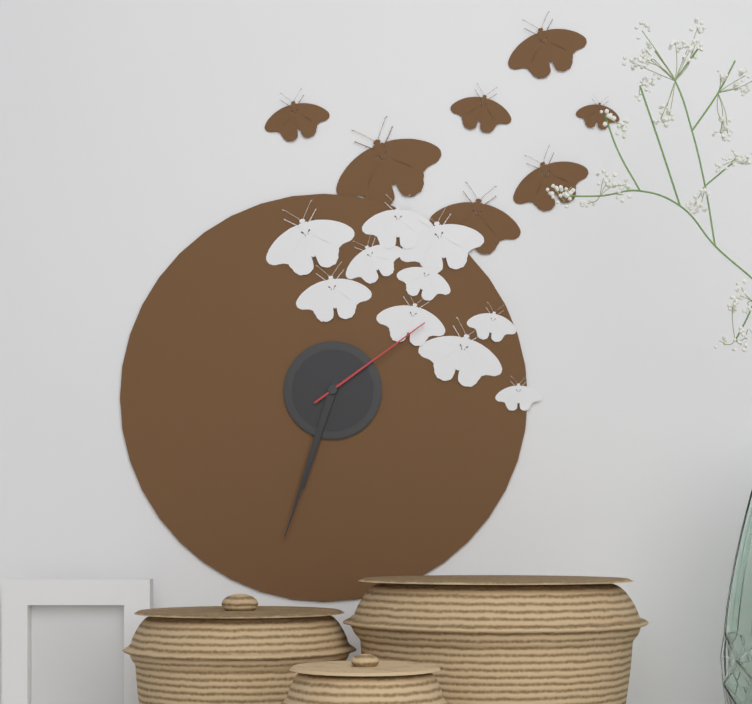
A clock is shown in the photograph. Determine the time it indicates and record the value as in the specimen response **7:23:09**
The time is **6:33:09**
